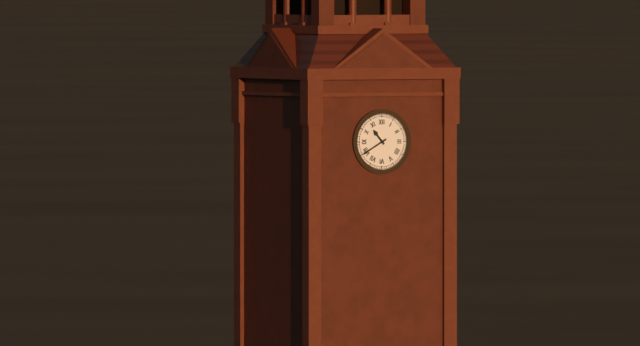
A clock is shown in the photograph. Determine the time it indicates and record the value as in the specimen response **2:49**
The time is **10:40**
